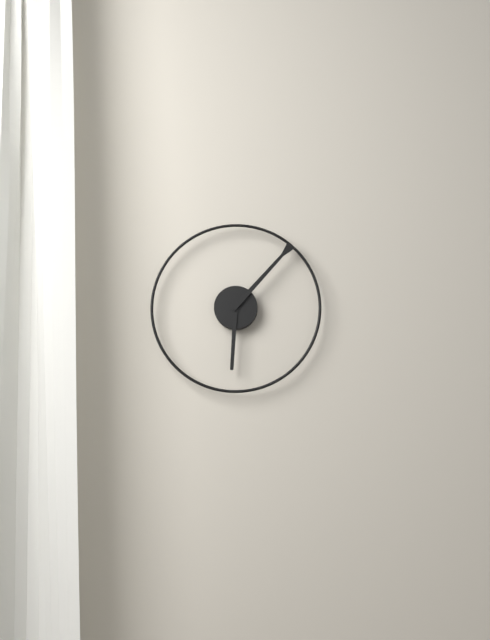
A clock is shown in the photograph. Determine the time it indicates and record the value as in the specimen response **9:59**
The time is **6:07**
